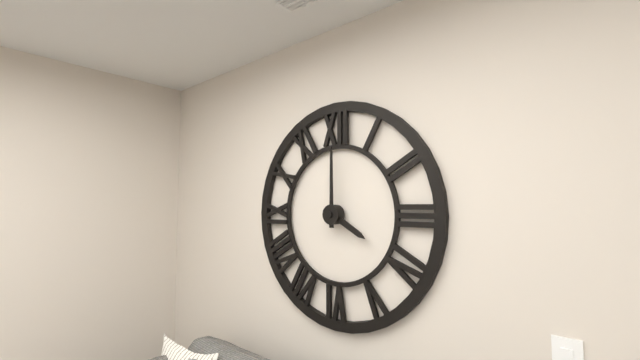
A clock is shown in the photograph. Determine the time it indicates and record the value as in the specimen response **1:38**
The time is **4:00**
